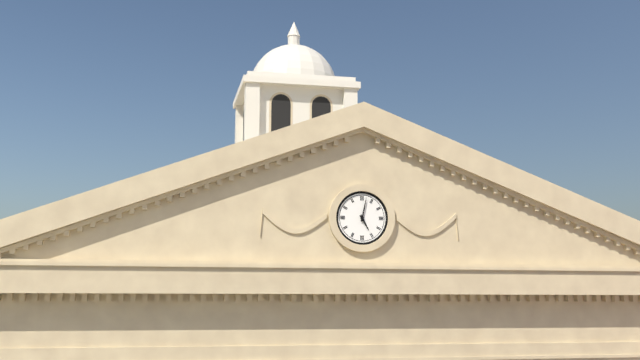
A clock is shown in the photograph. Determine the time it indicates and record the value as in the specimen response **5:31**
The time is **5:02**
